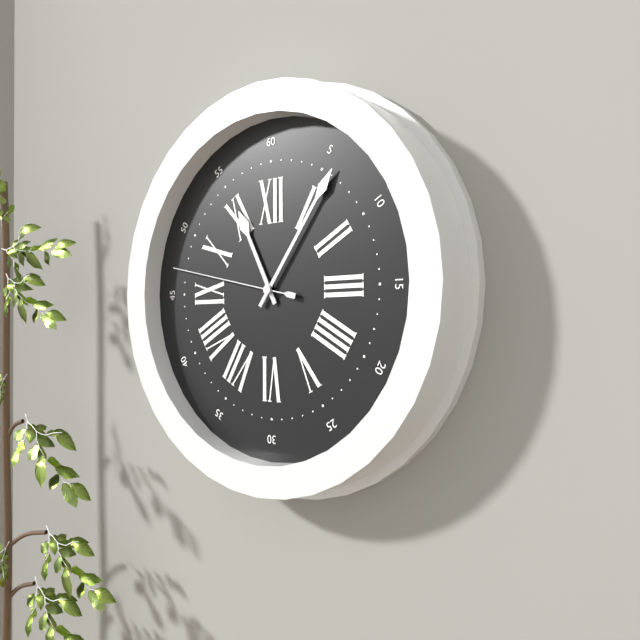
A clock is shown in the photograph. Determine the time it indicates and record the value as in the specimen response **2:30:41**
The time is **11:06:47**
